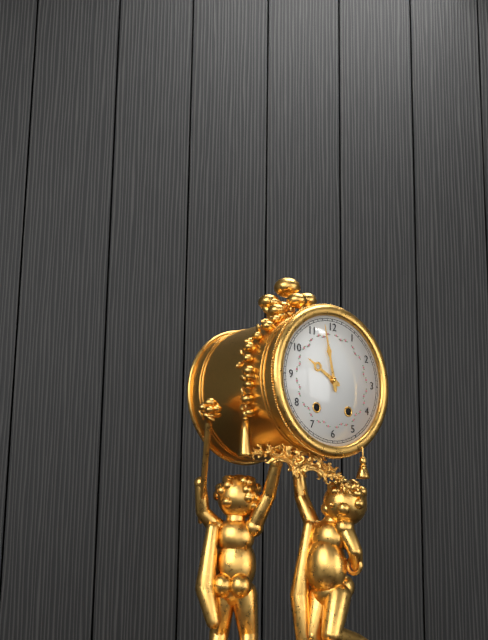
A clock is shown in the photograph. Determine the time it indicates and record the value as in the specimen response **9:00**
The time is **9:58**
